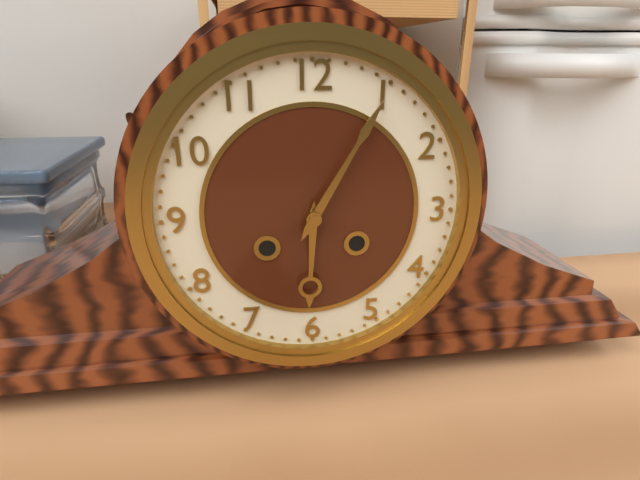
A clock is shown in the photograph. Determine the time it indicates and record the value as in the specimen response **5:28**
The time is **6:05**
